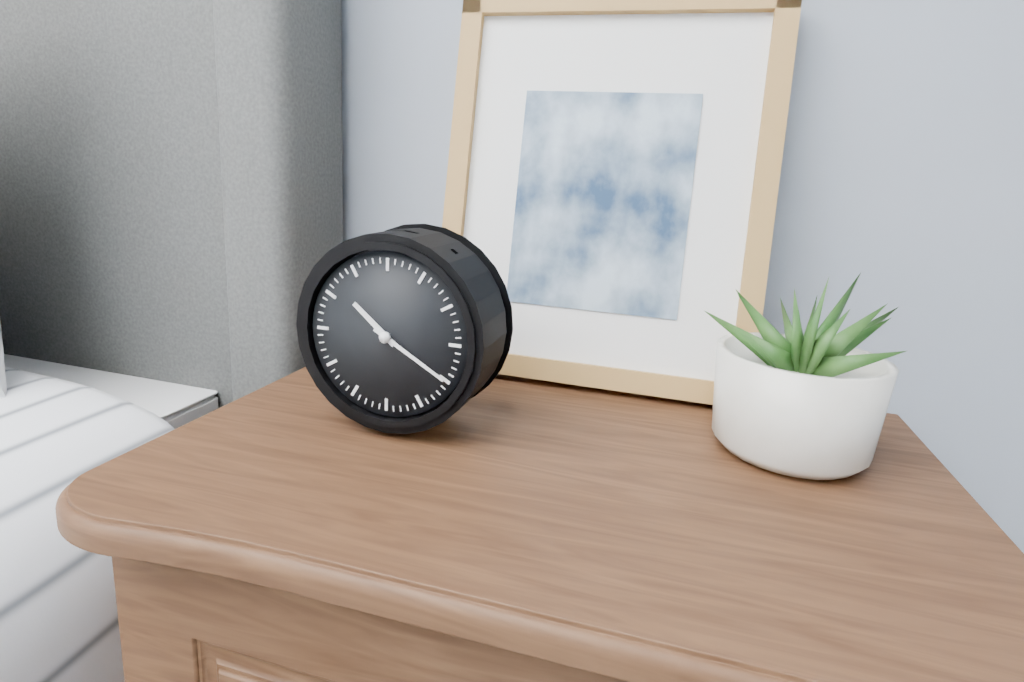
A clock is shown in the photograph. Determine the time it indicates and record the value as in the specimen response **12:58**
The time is **10:20**
